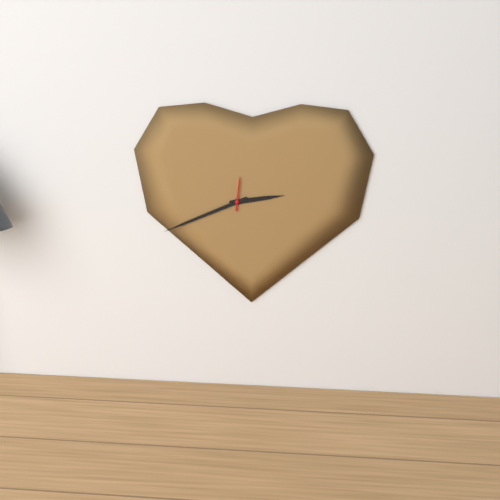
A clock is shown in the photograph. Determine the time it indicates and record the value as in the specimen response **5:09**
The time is **2:41**
